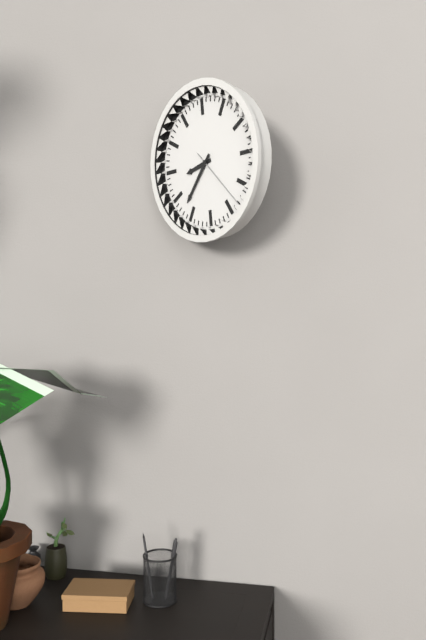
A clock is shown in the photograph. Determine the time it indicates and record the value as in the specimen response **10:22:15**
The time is **8:37:23**
